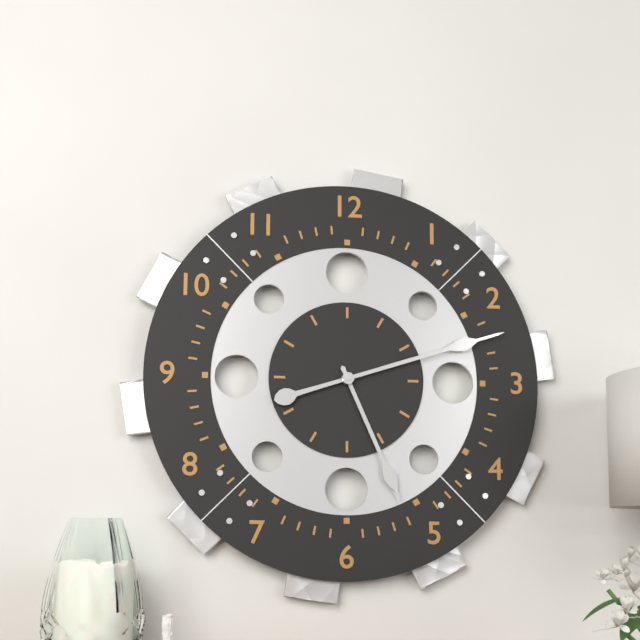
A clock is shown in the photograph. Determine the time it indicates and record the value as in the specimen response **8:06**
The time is **5:12**
